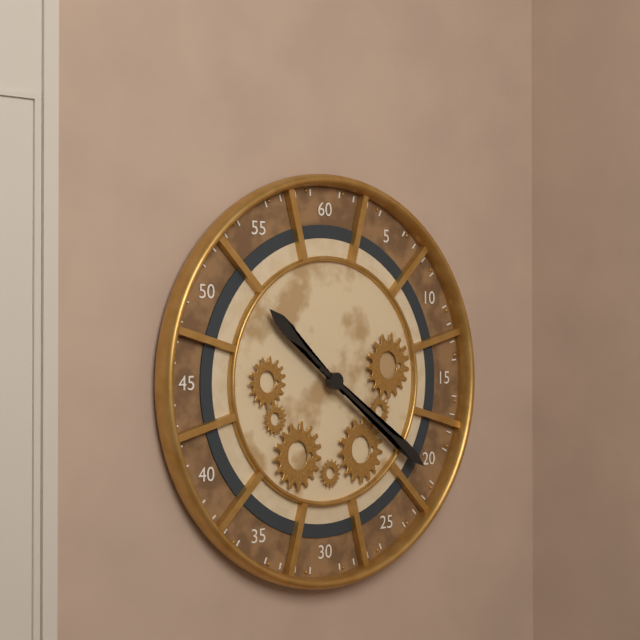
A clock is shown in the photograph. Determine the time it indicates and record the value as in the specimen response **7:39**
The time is **10:21**
